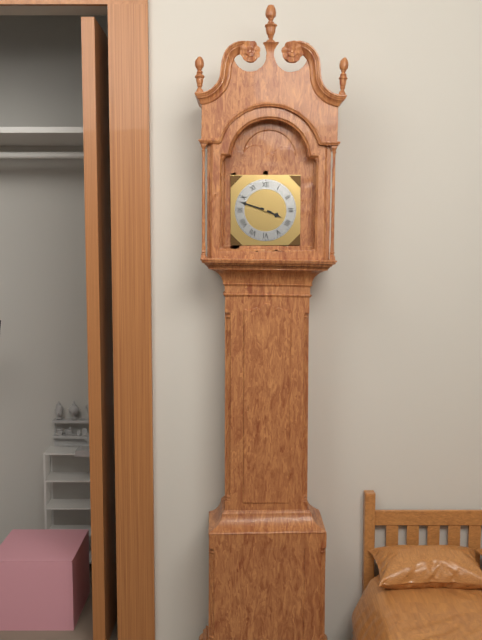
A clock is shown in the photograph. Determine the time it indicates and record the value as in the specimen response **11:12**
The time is **3:48**
